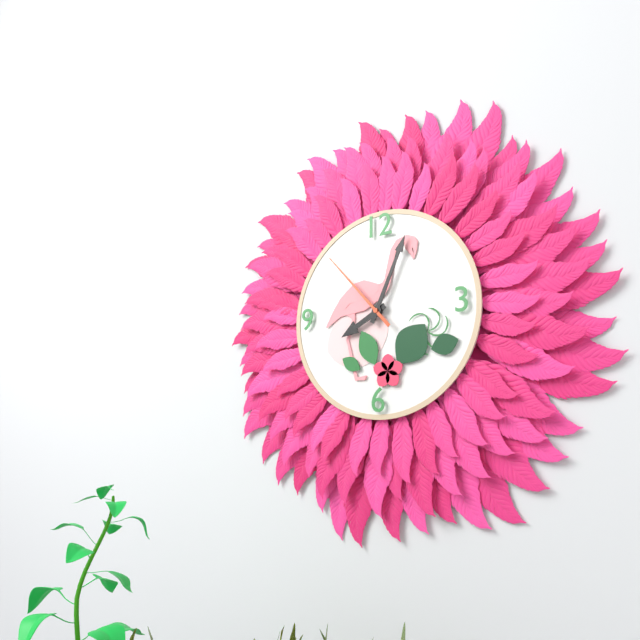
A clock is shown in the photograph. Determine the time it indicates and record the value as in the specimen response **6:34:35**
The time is **8:04:53**
